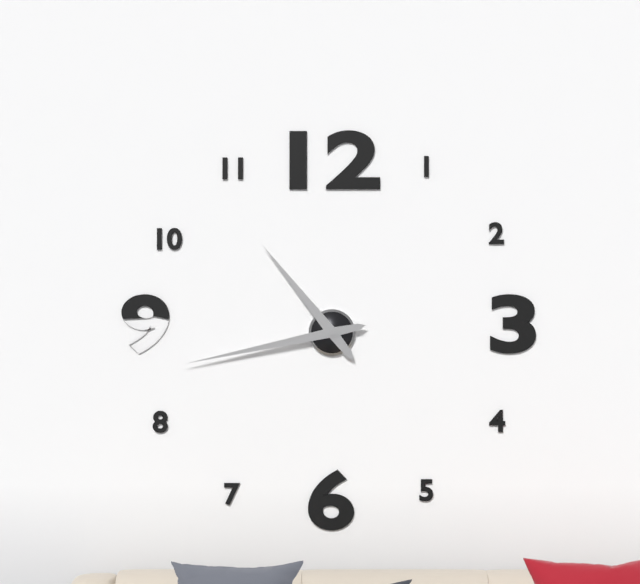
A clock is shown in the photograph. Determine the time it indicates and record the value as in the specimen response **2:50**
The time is **10:43**
